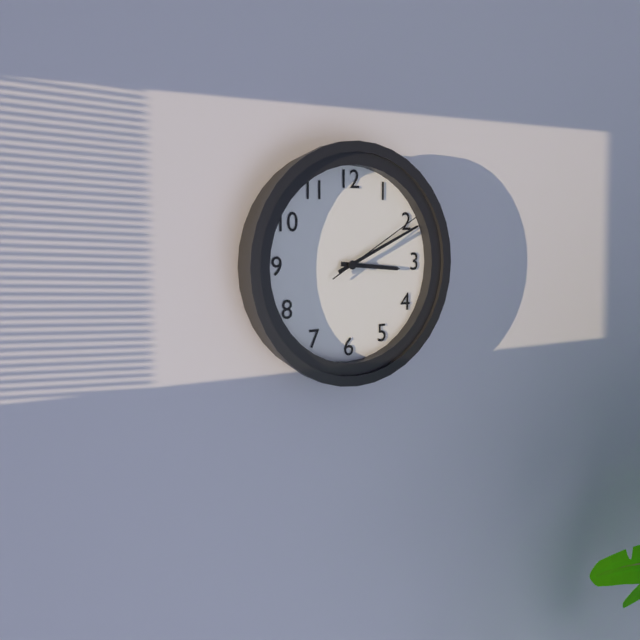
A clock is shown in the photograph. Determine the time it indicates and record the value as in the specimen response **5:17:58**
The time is **3:11:10**
